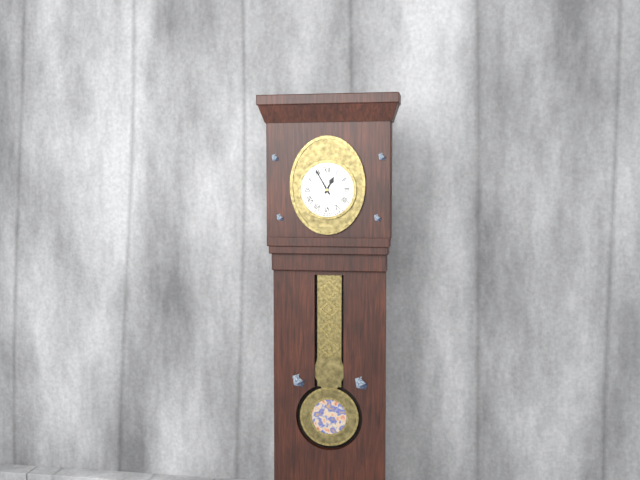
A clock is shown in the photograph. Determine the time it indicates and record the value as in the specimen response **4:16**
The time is **12:55**
